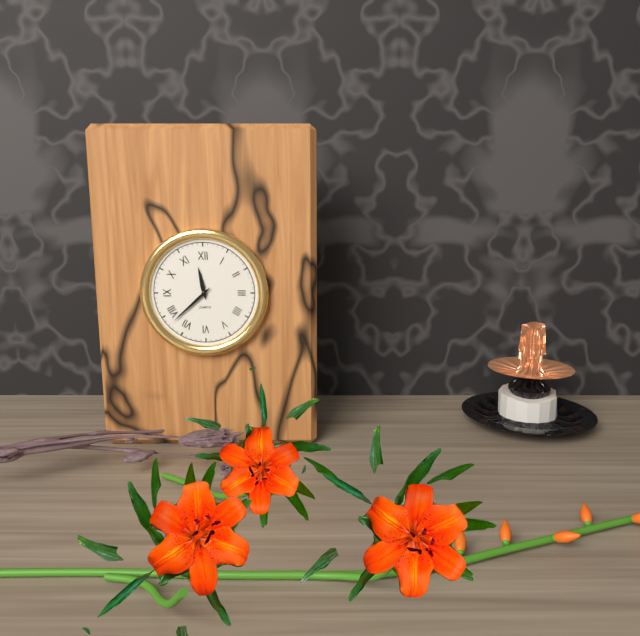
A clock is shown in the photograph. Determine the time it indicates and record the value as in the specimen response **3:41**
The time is **11:38**
